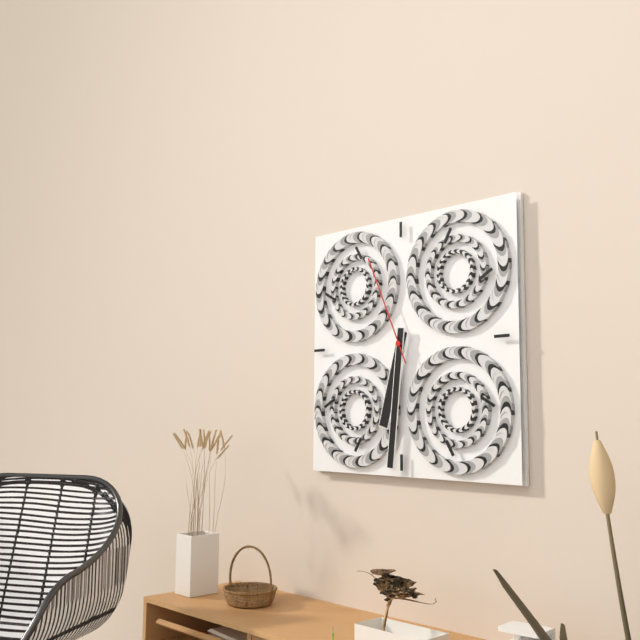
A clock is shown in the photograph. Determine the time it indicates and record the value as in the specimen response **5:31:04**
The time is **6:31:56**
